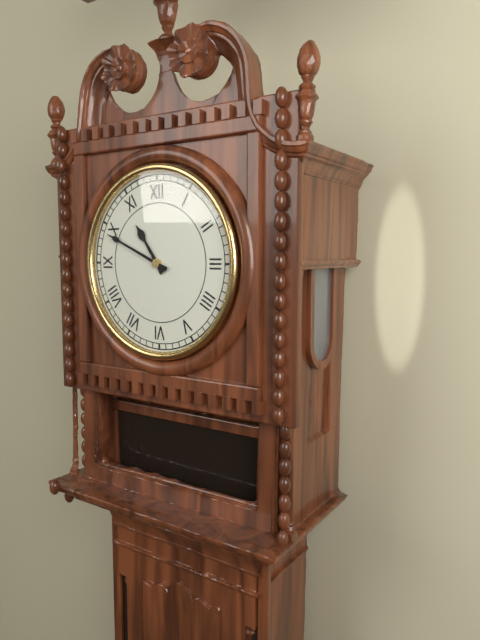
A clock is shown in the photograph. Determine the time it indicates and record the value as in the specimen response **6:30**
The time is **10:49**
